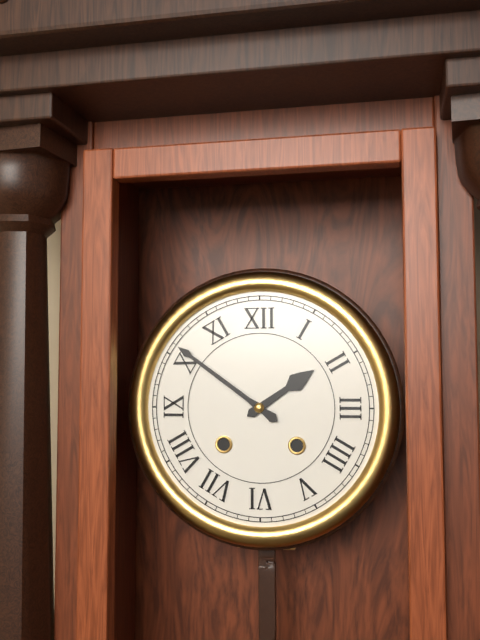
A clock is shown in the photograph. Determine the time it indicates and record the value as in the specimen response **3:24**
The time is **1:51**
